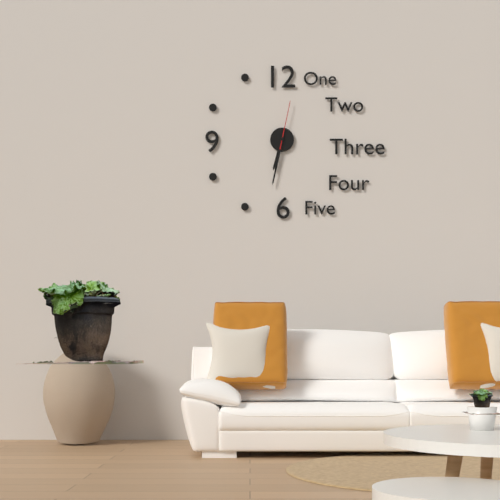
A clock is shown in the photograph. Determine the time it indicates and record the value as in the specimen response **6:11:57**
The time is **6:32:02**
